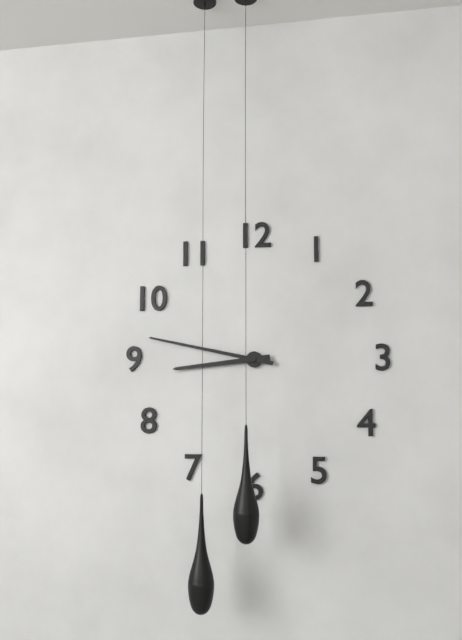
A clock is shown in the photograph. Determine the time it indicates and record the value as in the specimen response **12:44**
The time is **8:47**
